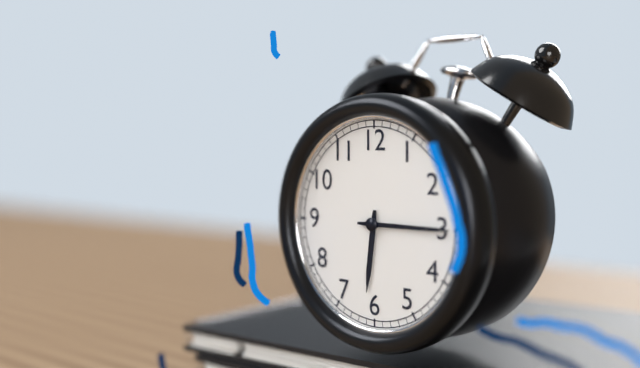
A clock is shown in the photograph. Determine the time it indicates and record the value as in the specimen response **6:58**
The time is **6:15**
